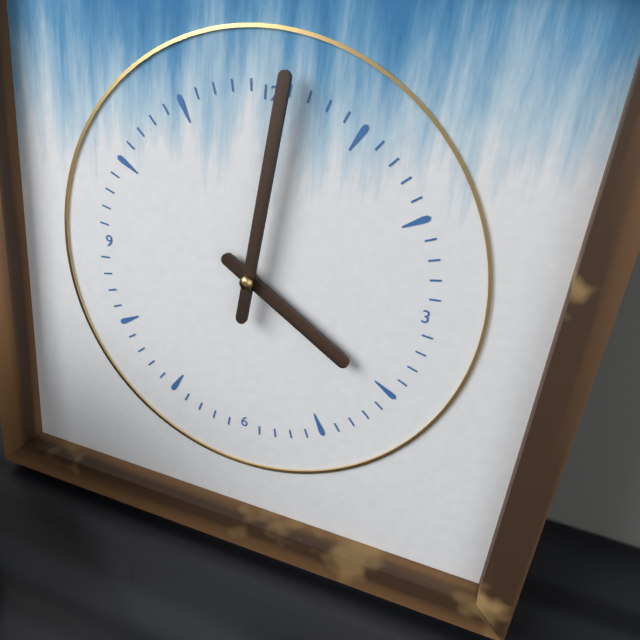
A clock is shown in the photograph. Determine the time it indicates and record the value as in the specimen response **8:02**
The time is **4:01**
